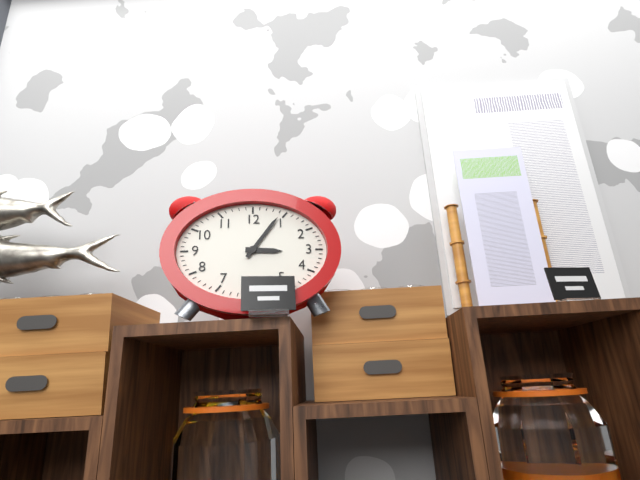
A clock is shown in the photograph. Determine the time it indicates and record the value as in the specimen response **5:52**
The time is **3:06**
